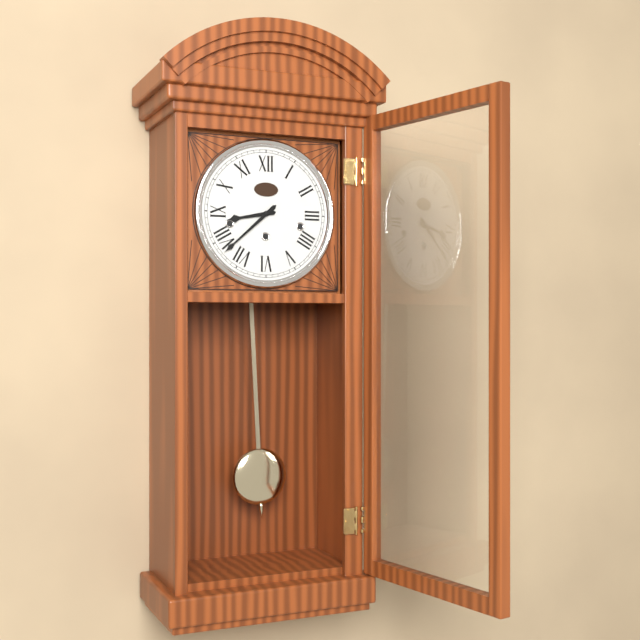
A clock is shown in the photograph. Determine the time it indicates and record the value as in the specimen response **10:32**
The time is **8:38**
